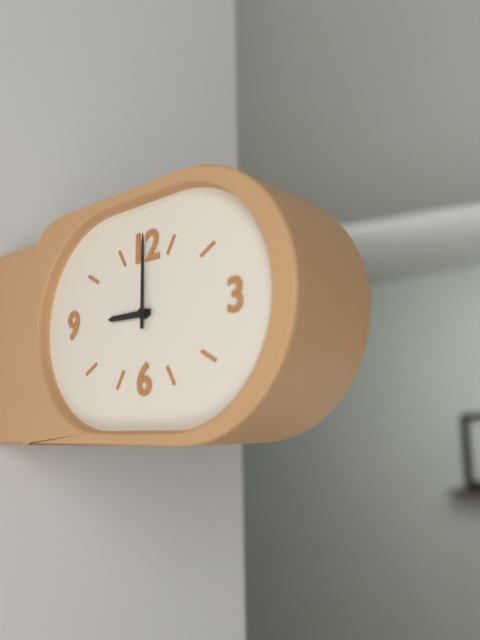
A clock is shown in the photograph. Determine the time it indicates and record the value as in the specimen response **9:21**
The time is **9:00**
